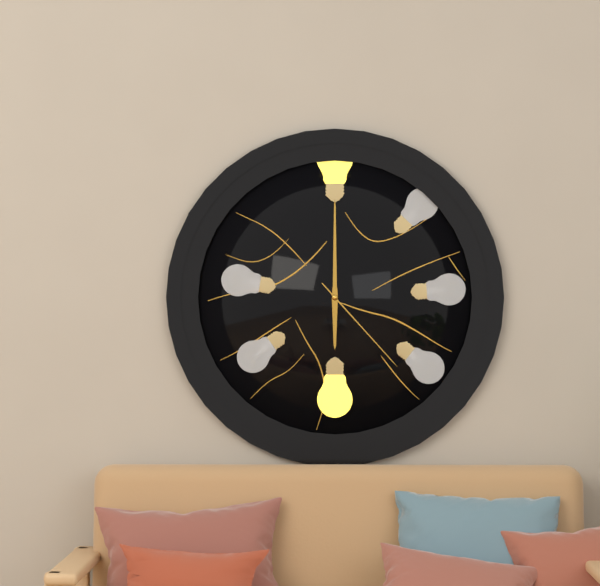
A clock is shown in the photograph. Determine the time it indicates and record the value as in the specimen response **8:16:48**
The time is **6:00:23**
